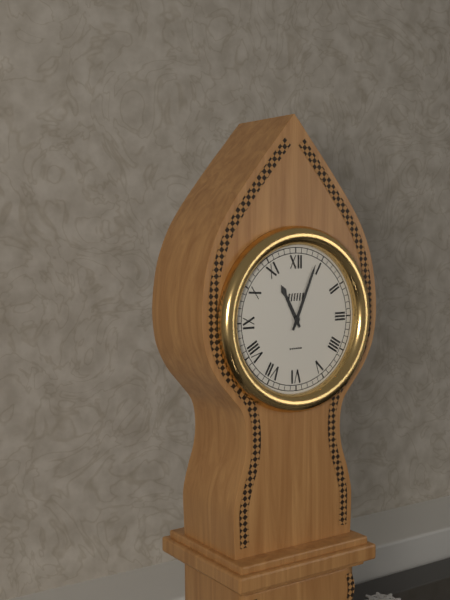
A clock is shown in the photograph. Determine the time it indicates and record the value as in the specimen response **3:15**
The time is **11:04**
